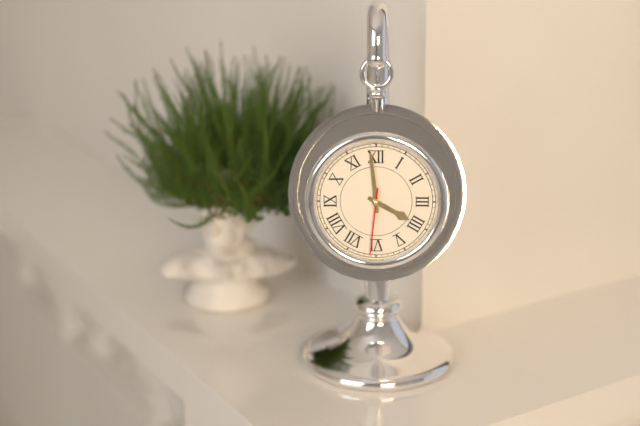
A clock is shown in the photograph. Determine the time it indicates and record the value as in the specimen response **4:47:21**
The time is **3:59:31**
